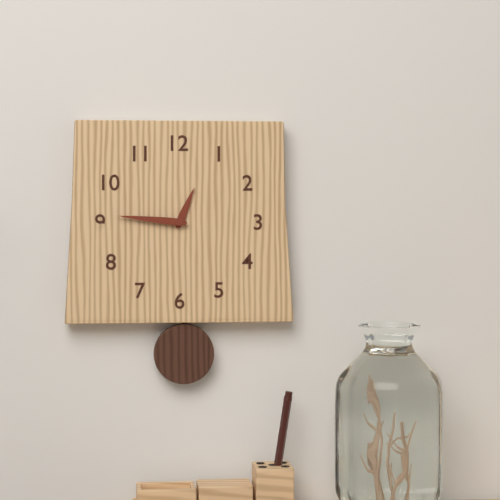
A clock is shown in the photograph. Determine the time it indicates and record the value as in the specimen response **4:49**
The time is **12:46**
